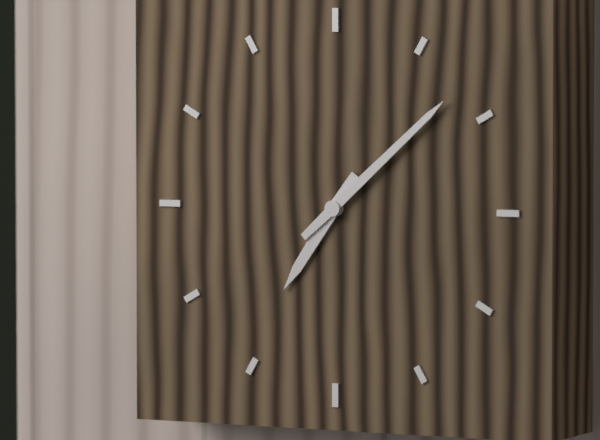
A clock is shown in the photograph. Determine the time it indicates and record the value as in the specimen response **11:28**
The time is **7:08**
